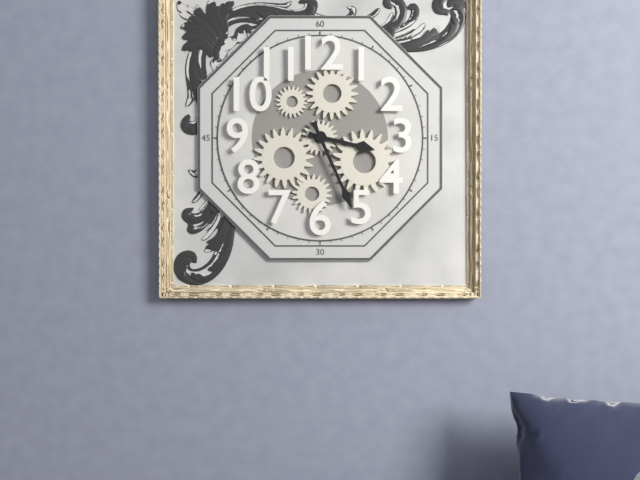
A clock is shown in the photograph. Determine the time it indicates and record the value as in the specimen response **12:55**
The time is **3:26**
